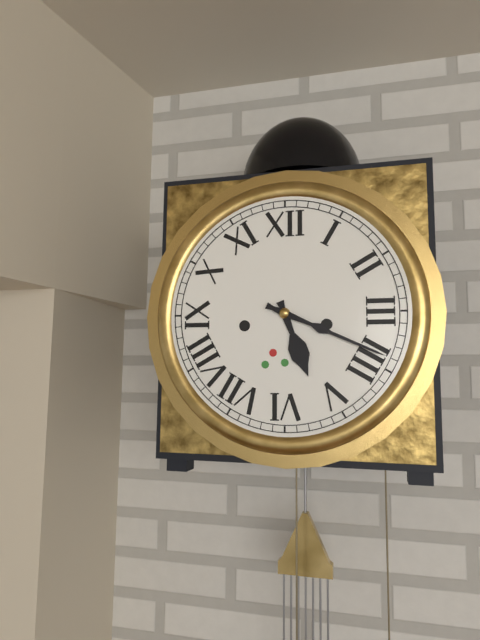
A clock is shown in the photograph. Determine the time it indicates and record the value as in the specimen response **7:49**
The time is **5:19**
